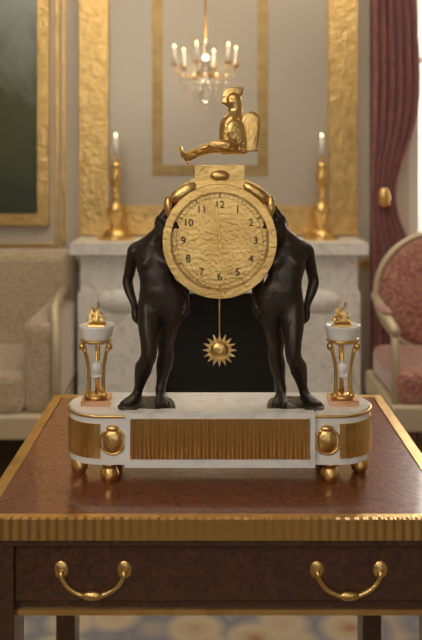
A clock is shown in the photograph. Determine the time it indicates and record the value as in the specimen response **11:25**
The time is **8:59**
